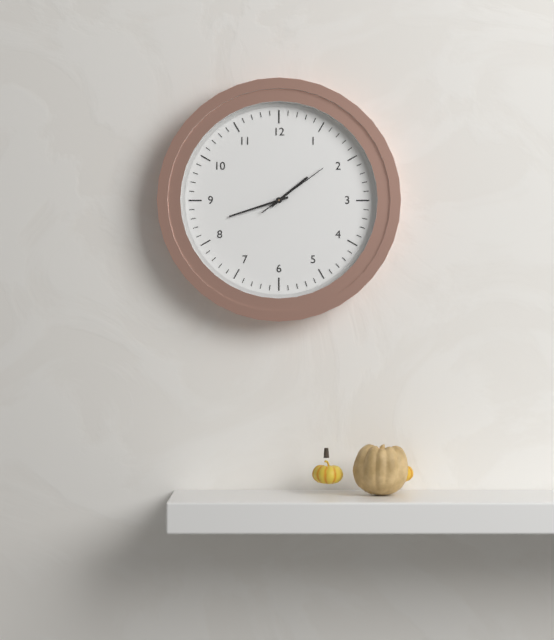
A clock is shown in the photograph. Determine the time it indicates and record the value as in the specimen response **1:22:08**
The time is **1:42:09**
